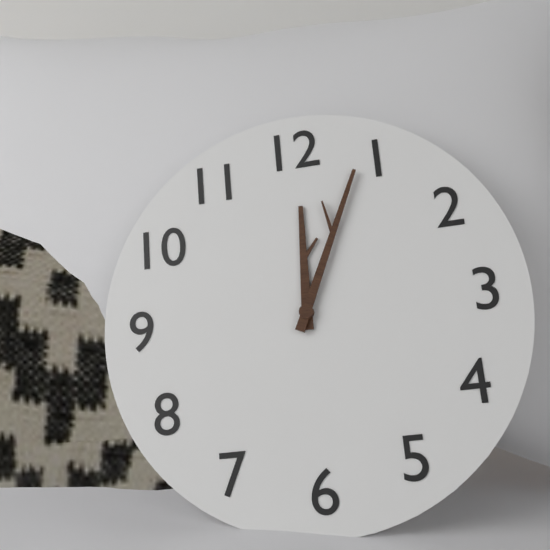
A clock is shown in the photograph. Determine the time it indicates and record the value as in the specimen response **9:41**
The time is **12:04**
